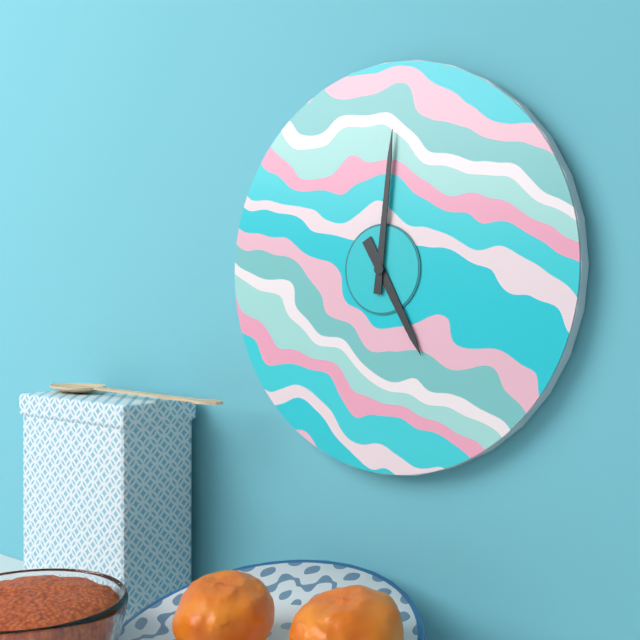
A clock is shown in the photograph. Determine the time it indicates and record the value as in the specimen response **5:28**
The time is **5:01**
